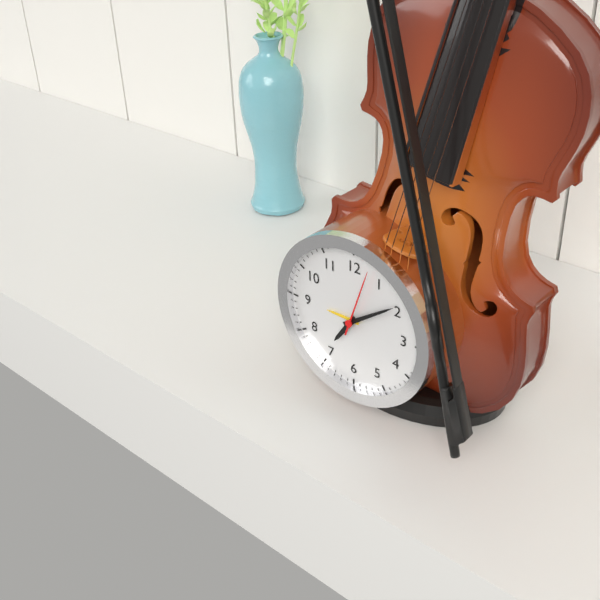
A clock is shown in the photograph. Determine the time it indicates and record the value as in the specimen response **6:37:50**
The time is **7:09:03**
